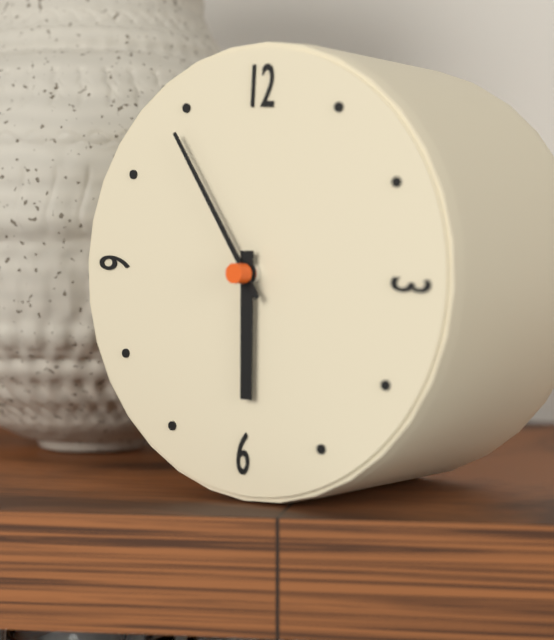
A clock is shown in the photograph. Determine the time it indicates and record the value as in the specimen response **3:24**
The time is **5:54**
